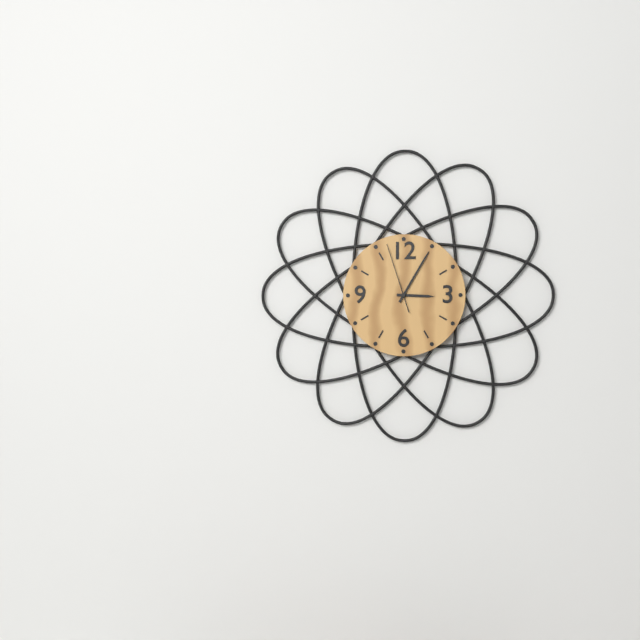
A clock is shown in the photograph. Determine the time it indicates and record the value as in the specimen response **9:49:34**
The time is **3:05:57**
